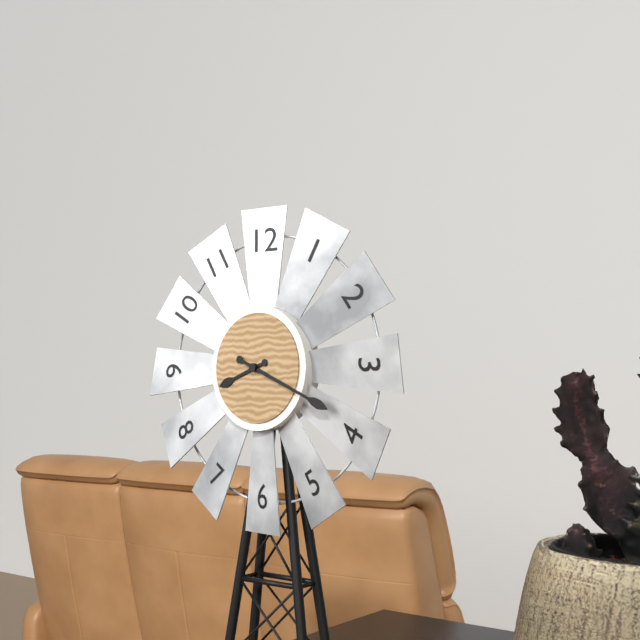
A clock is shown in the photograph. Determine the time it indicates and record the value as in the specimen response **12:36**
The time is **8:19**
